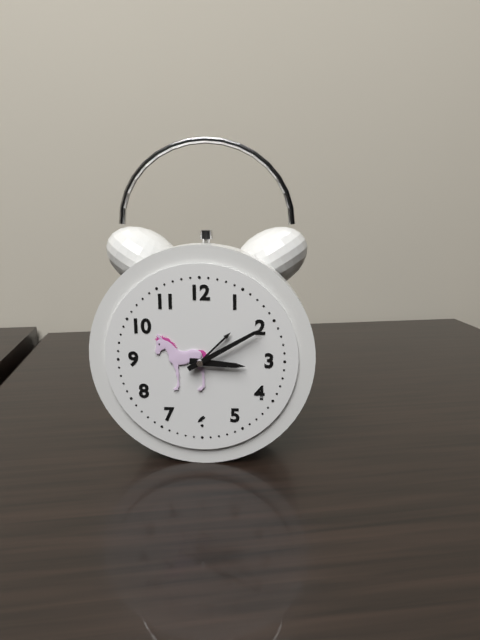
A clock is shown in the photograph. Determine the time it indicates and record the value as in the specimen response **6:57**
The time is **3:10**
